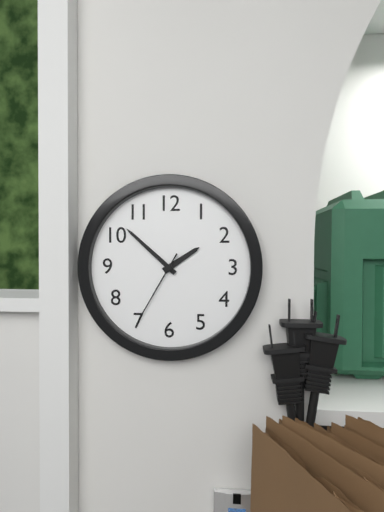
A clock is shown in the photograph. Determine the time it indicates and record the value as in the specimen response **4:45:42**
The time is **1:52:35**
